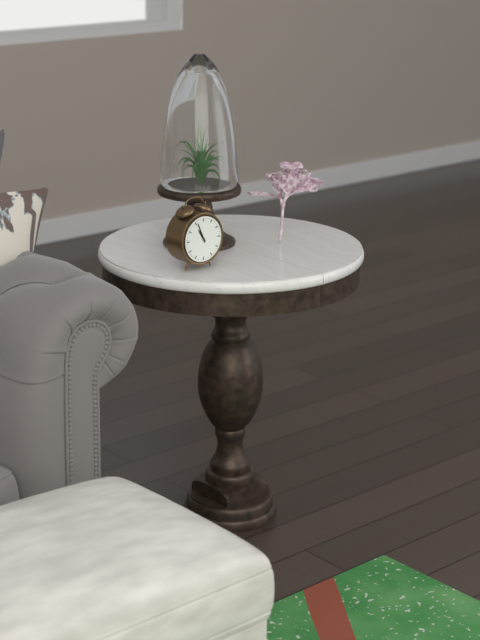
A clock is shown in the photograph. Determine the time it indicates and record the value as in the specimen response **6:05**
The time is **10:56**
